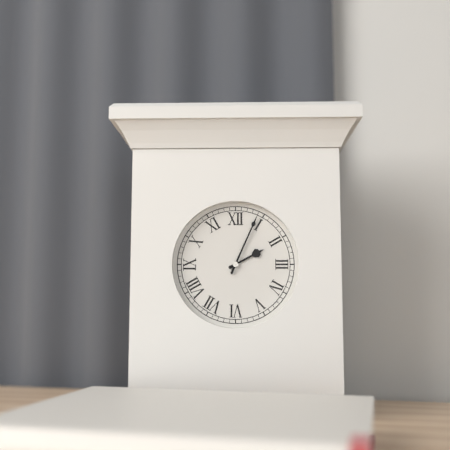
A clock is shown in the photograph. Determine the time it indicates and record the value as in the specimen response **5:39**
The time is **2:04**
